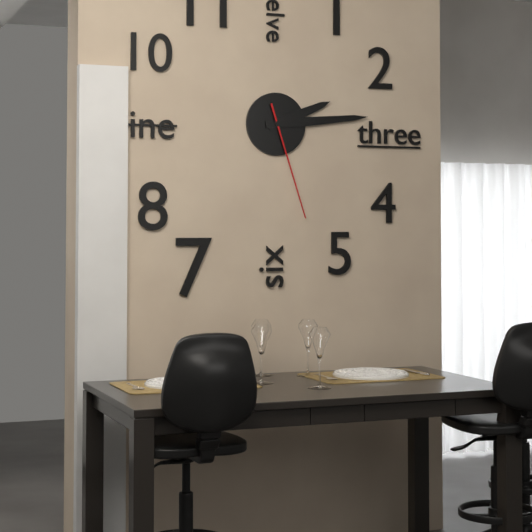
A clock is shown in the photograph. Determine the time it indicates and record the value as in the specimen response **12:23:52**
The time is **2:14:27**
